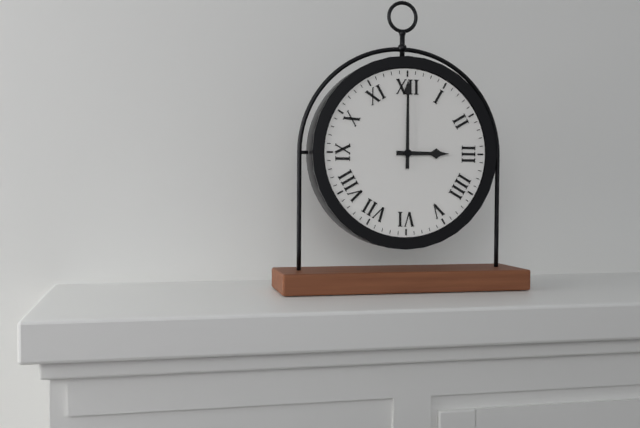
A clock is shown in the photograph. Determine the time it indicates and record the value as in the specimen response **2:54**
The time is **3:00**
